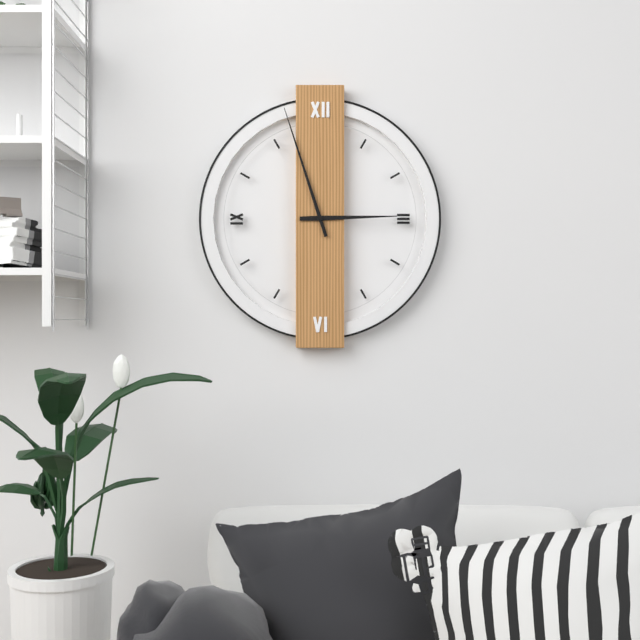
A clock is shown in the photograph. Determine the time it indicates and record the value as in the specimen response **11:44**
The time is **2:57**
